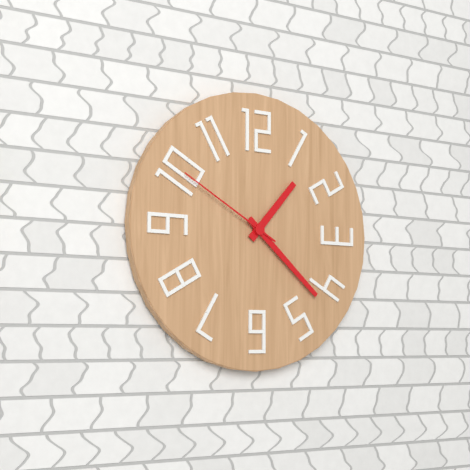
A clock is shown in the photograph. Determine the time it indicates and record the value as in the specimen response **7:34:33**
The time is **1:22:50**
